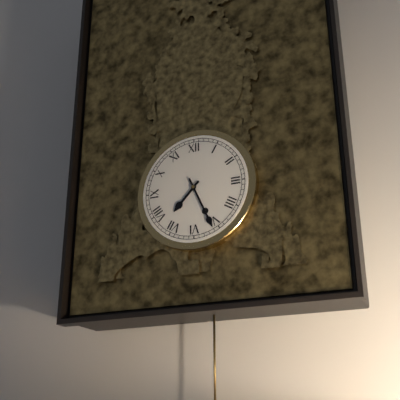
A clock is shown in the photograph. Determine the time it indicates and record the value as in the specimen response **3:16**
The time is **7:26**
